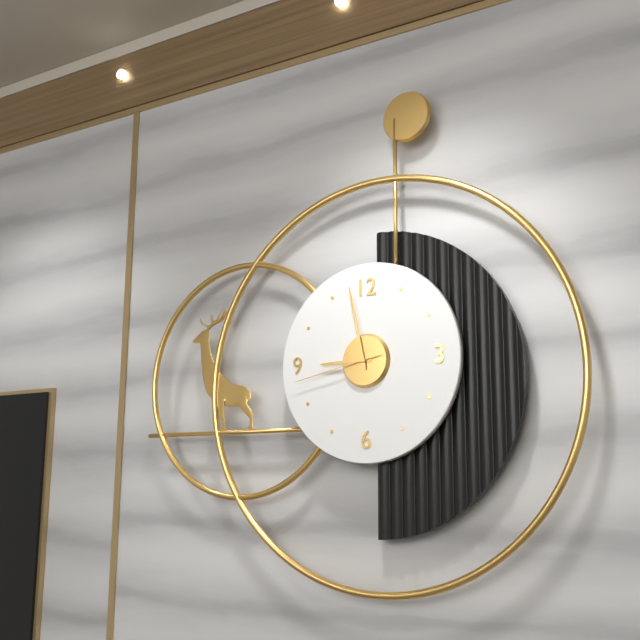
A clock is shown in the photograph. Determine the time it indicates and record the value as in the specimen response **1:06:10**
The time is **8:58:43**
